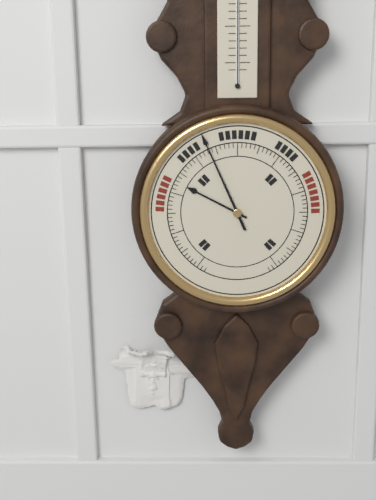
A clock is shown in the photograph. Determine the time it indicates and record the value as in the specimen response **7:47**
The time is **9:56**
